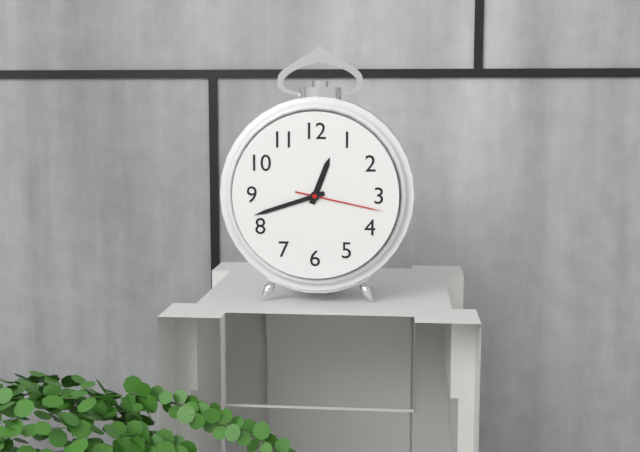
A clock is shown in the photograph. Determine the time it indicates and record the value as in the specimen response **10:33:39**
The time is **12:42:17**
